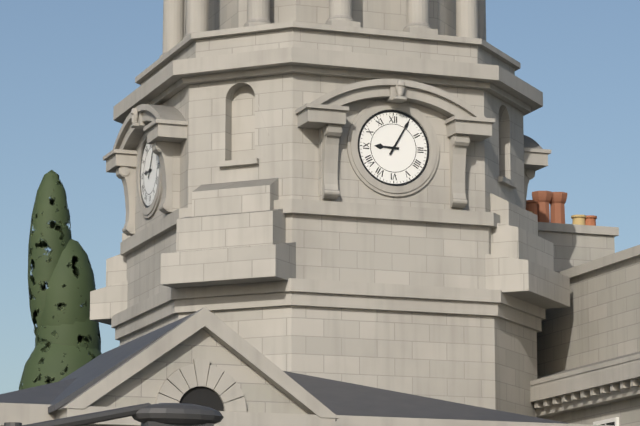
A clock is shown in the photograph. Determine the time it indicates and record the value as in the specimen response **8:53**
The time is **9:05**
